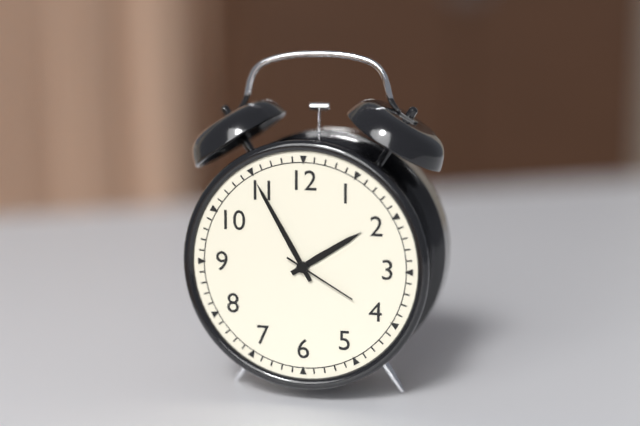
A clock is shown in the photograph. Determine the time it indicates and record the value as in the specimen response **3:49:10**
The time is **1:55:20**
